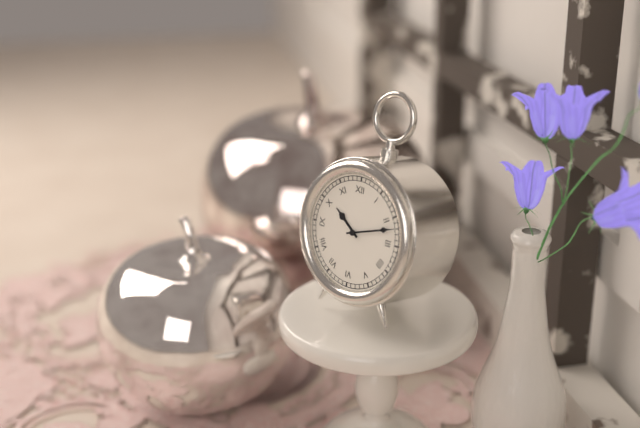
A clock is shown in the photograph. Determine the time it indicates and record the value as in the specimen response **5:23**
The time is **10:12**
